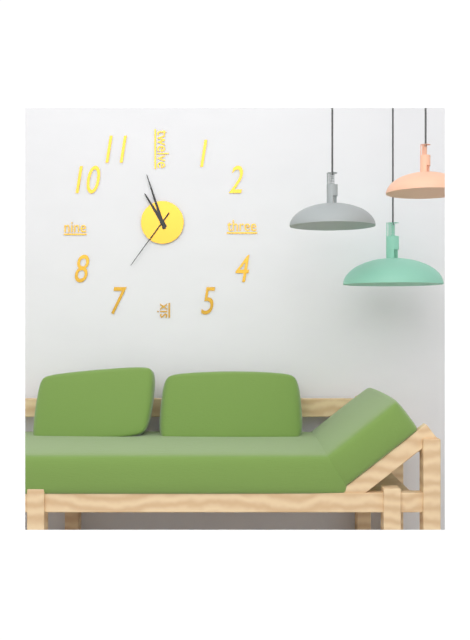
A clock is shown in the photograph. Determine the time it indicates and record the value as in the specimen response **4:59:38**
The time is **10:57:36**
